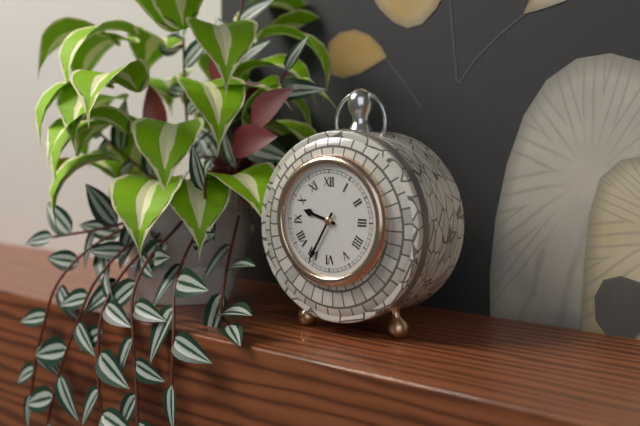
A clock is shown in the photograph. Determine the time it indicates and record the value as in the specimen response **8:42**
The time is **9:35**
